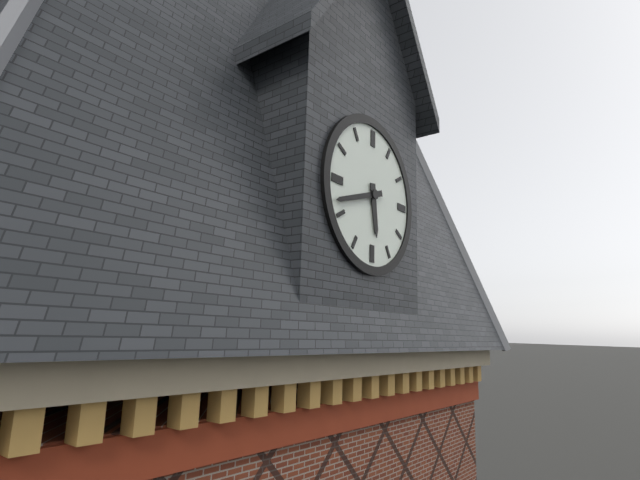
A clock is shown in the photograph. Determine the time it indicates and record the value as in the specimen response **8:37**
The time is **5:42**
